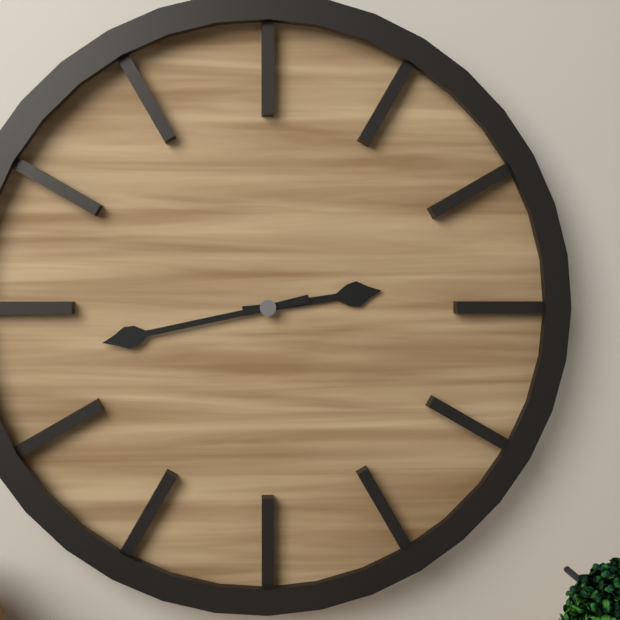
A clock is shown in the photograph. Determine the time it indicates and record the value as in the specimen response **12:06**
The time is **2:43**
